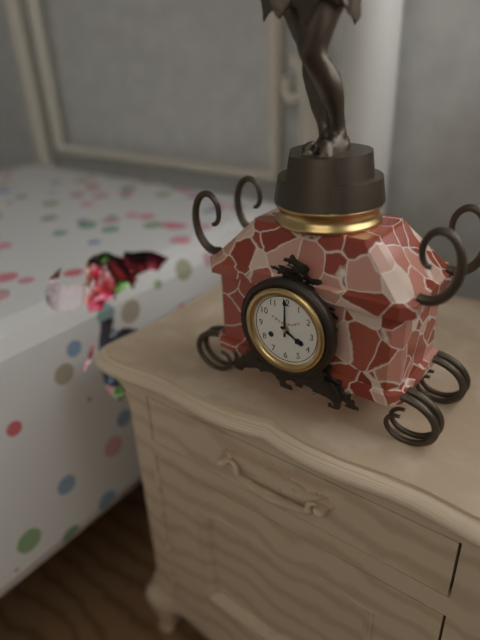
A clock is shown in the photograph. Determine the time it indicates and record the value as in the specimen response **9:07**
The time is **4:00**
